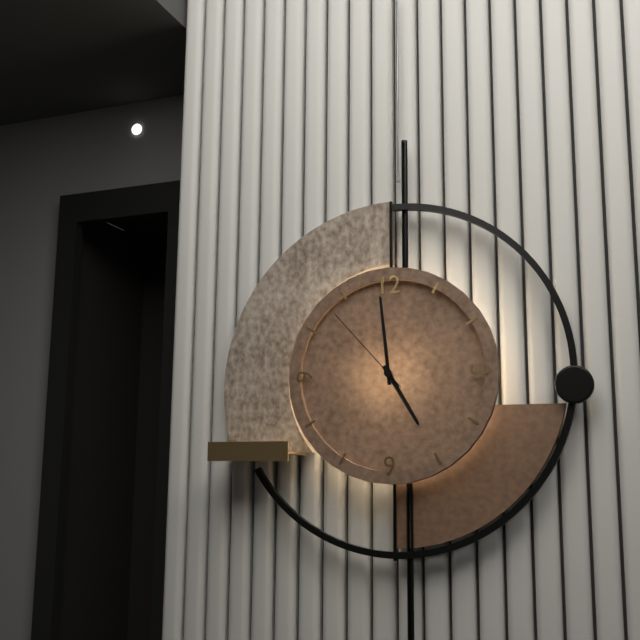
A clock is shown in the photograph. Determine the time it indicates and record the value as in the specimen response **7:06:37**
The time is **4:59:53**
